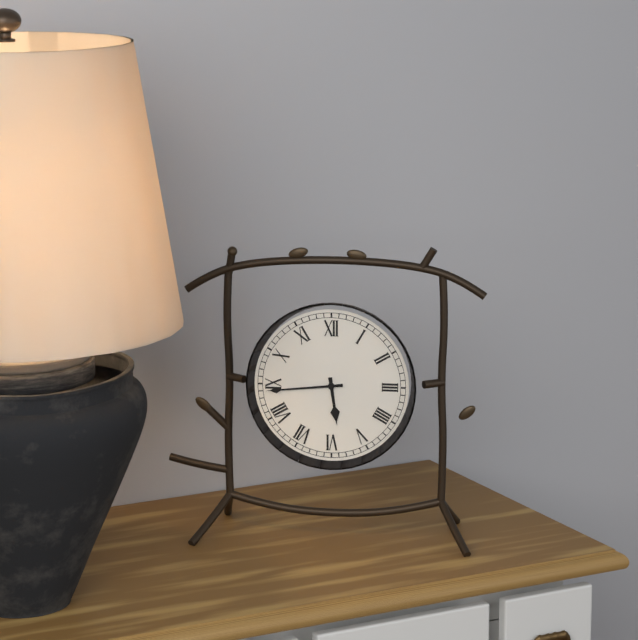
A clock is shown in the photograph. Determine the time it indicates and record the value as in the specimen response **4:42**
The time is **5:44**
